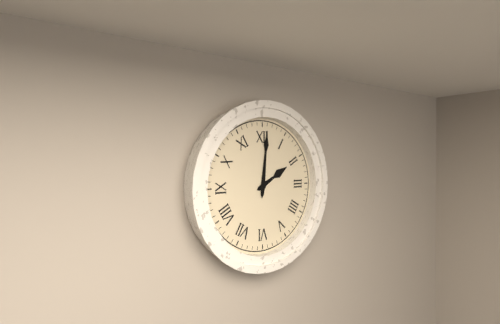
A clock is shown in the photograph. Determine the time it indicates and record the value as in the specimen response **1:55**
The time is **2:01**
